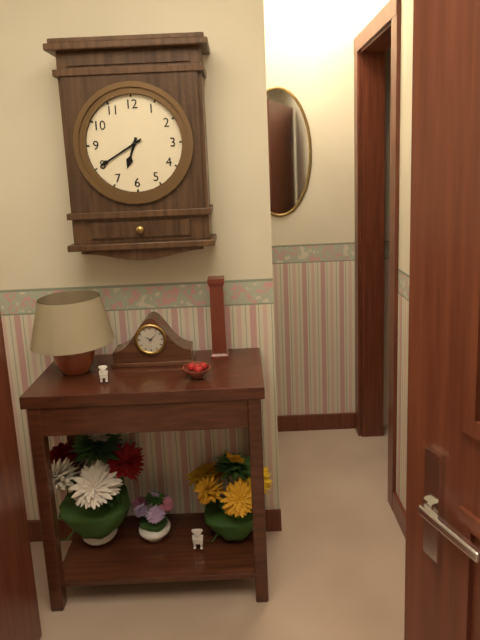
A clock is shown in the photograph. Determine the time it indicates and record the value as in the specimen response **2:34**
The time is **6:40**
